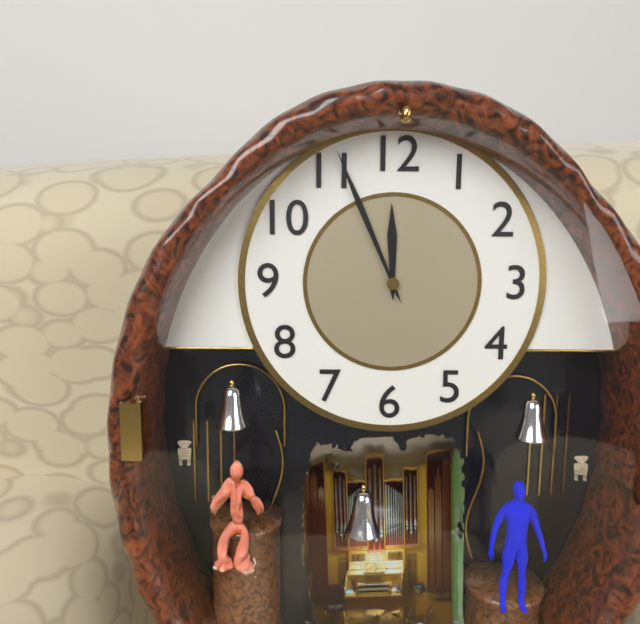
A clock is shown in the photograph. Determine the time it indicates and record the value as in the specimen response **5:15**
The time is **11:56**
